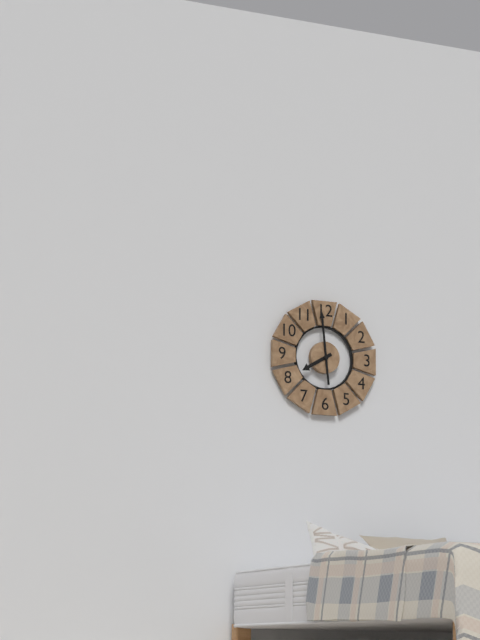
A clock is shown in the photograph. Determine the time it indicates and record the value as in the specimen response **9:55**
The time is **7:59**
